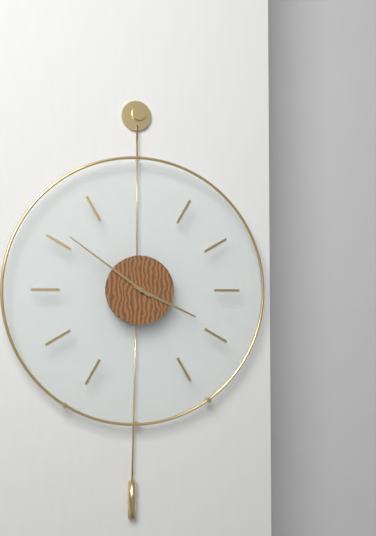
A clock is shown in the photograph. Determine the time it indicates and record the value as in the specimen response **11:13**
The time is **3:51**
